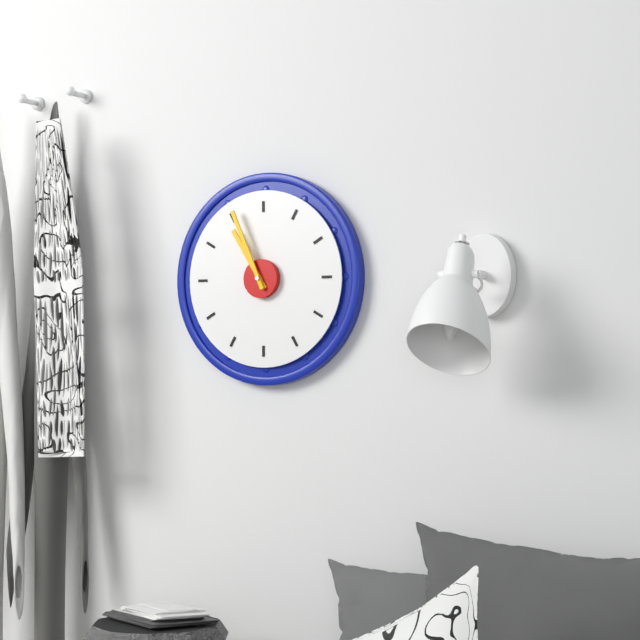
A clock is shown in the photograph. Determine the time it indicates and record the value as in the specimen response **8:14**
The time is **10:56**
